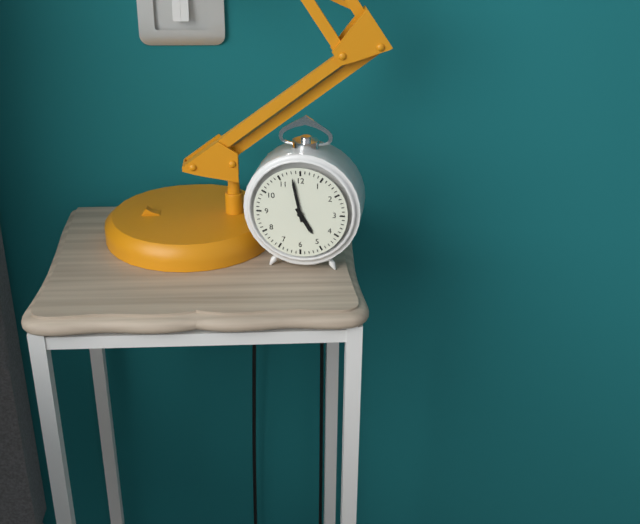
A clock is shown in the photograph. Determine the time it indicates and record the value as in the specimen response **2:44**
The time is **4:58**
